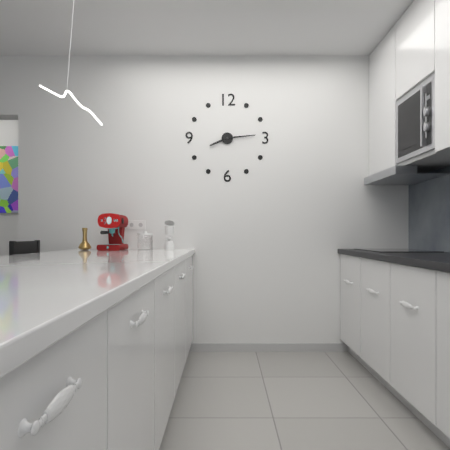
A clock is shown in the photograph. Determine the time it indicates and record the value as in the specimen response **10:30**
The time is **8:14**
